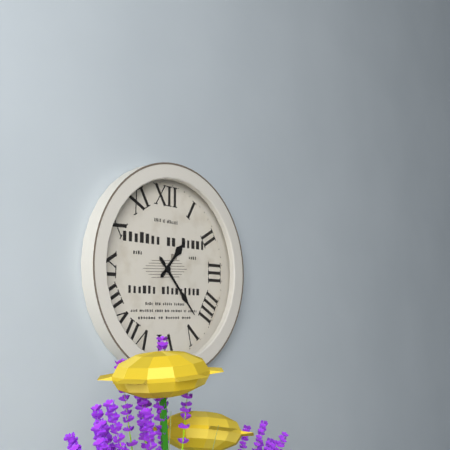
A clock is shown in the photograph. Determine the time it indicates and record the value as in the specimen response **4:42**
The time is **1:23**
